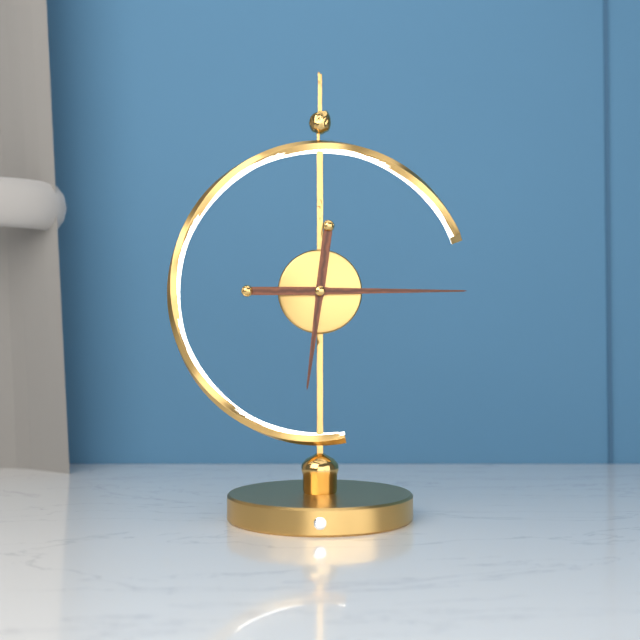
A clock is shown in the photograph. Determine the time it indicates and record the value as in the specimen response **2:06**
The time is **6:15**
